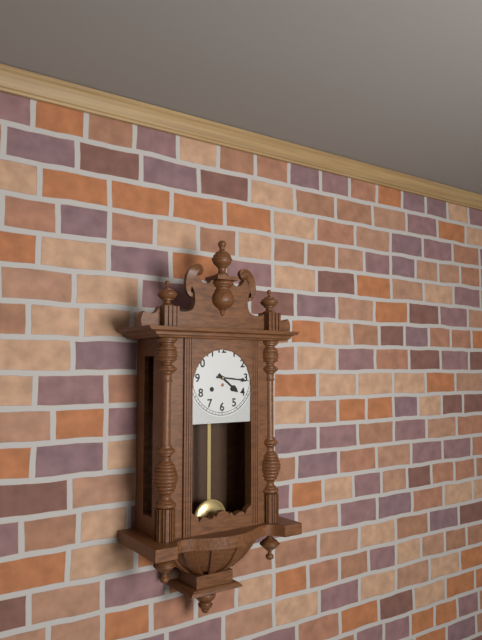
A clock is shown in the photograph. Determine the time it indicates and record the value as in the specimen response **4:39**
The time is **4:16**
